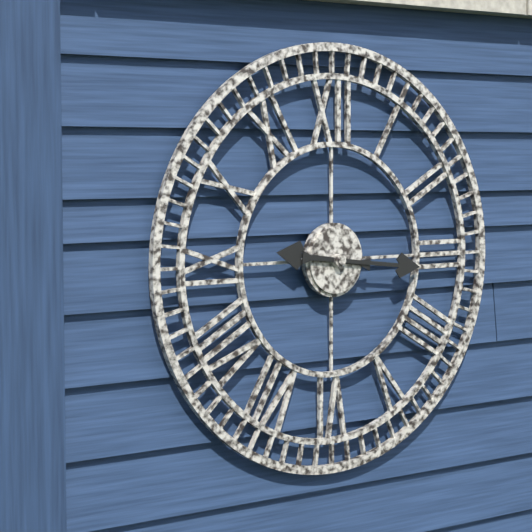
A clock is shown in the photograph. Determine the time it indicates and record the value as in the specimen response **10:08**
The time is **9:16**
